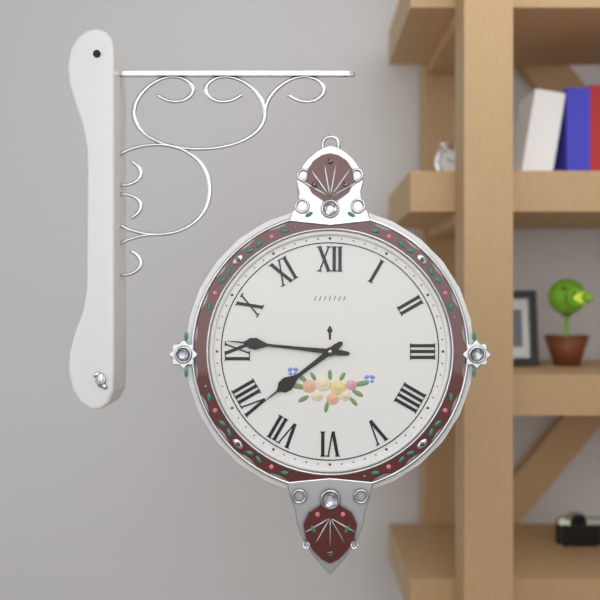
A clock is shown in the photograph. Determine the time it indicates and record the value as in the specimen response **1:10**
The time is **7:46**
